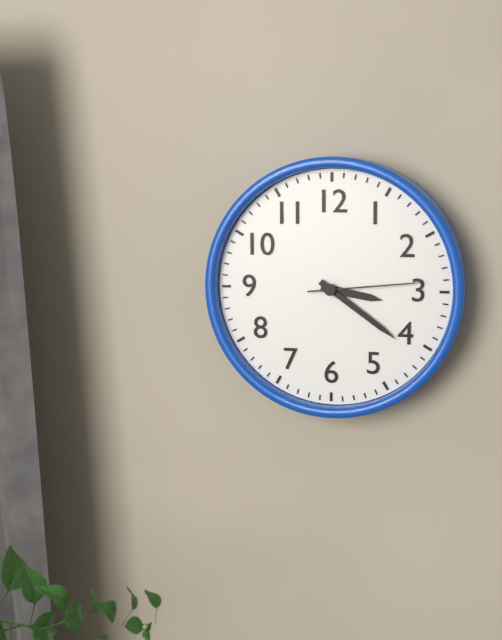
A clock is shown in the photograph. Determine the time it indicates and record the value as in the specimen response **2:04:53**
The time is **3:21:14**
